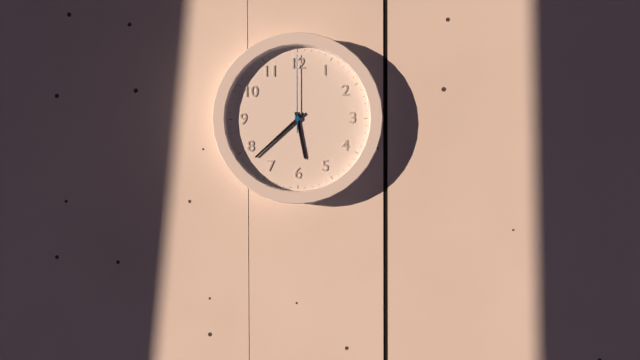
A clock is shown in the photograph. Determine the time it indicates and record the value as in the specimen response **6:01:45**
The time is **5:38:00**
